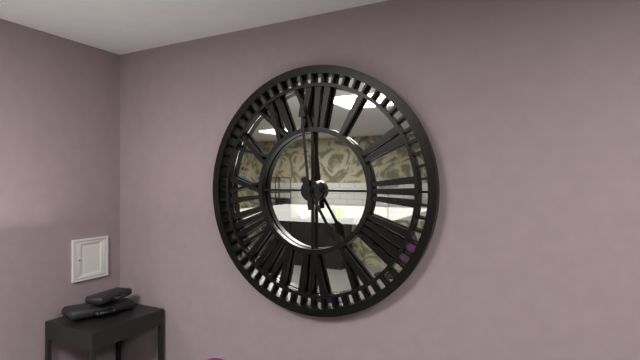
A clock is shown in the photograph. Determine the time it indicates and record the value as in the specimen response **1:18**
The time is **4:59**
